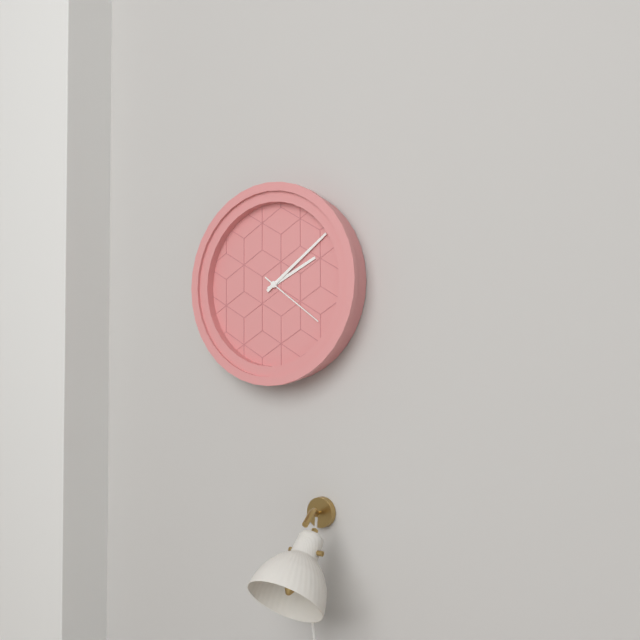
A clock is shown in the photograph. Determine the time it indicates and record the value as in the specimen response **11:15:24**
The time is **2:09:21**
